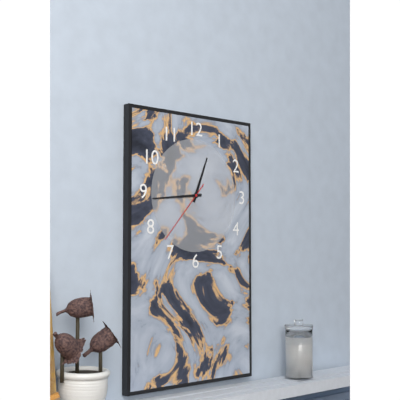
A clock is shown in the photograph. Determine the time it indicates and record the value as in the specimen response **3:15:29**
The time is **12:44:37**
